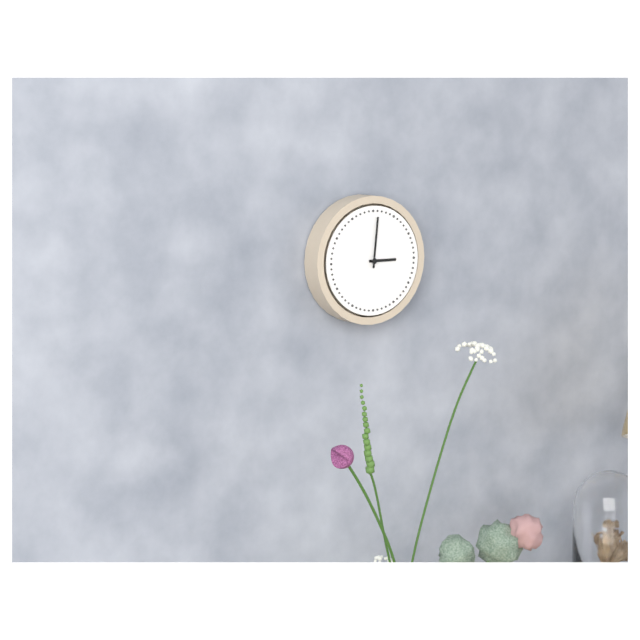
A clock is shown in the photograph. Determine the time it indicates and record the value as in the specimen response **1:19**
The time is **3:01**
